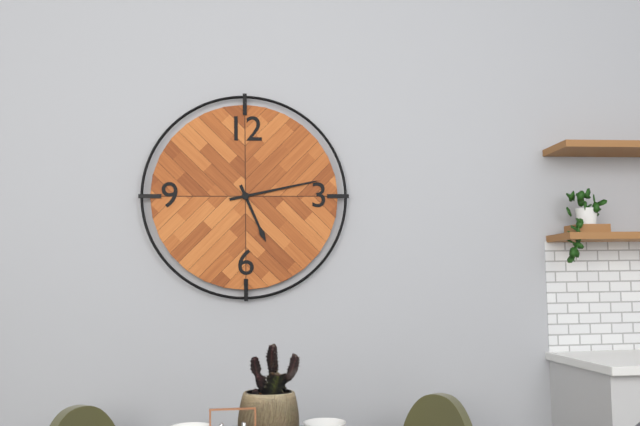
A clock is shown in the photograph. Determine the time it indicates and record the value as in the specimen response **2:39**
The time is **5:13**
